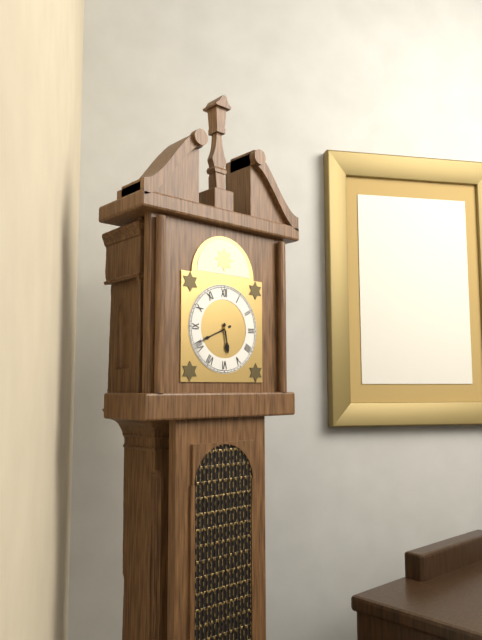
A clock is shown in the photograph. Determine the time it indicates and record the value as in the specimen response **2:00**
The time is **5:41**
